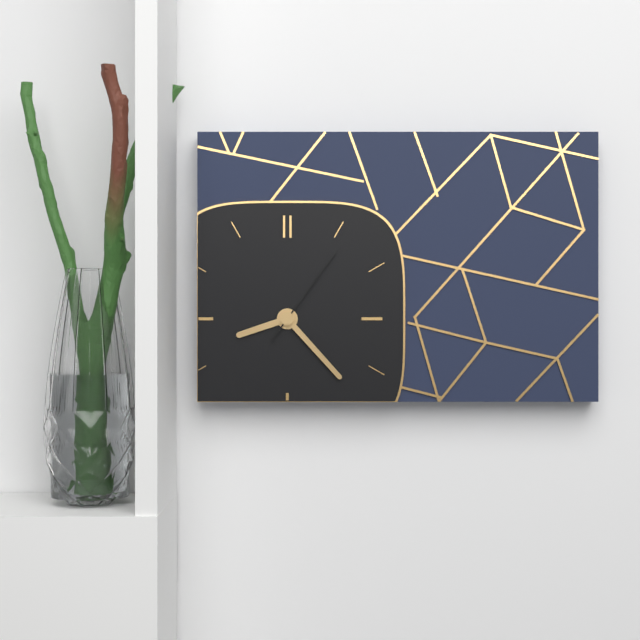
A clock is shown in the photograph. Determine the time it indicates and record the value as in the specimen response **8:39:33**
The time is **8:23:06**
